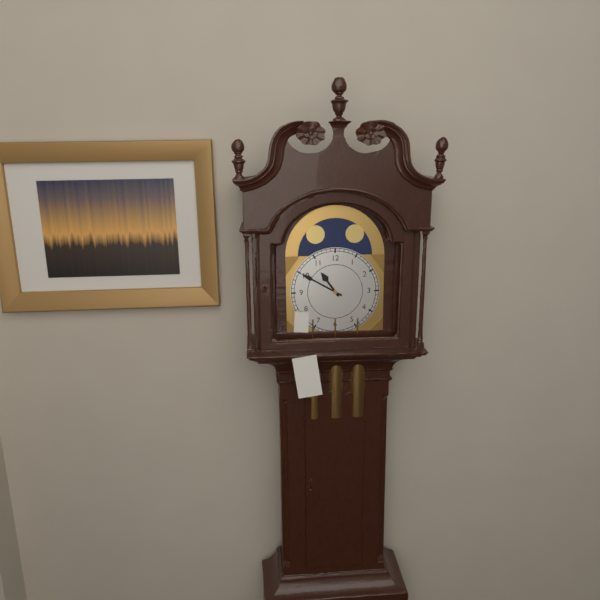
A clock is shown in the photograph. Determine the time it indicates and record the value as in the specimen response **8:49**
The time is **10:50**
